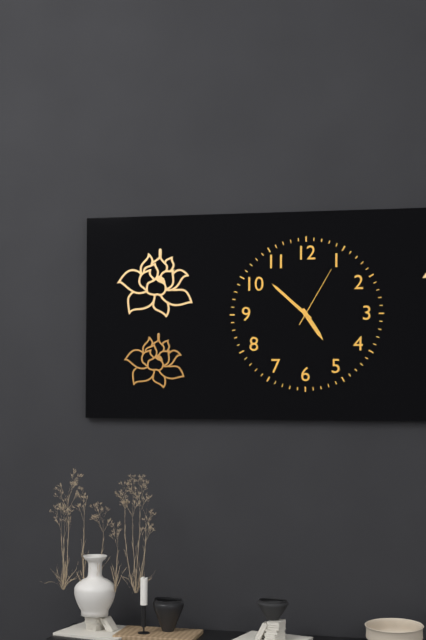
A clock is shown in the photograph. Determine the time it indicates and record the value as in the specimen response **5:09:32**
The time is **4:52:05**
